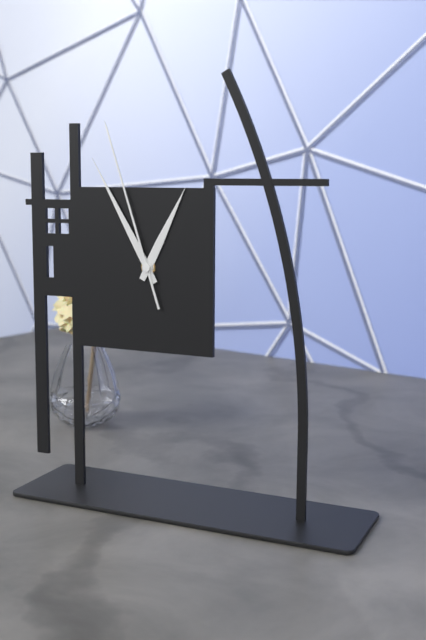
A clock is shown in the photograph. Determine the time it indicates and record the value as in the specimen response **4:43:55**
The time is **12:55:57**
